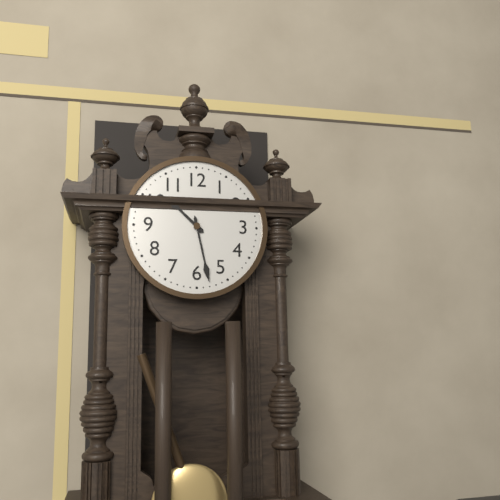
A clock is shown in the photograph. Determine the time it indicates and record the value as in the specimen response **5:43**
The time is **10:28**
